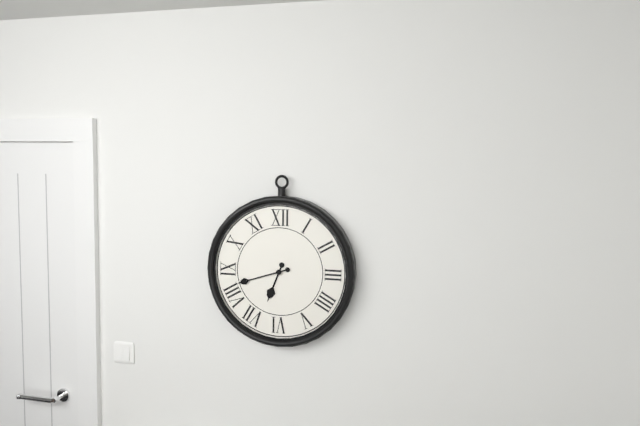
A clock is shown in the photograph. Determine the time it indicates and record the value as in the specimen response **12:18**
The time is **6:42**
